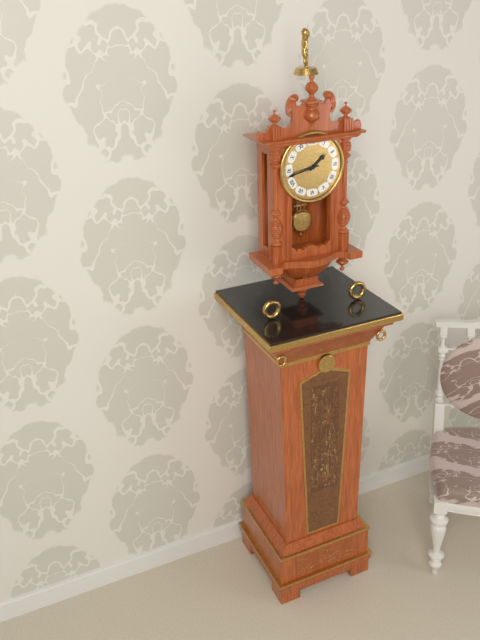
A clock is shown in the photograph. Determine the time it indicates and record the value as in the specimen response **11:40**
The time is **1:43**
